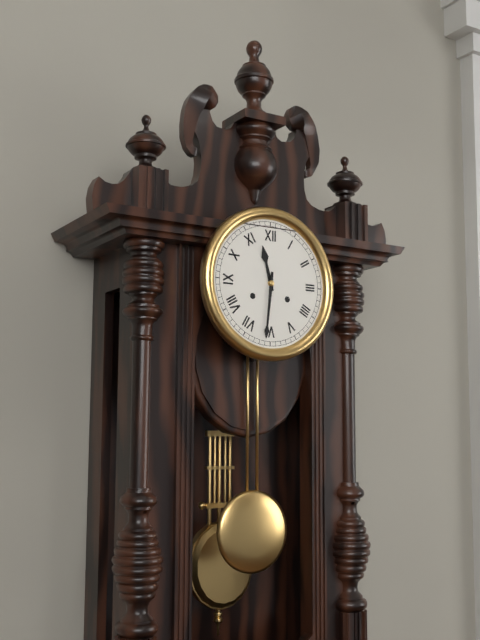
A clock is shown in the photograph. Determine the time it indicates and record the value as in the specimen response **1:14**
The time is **11:31**
